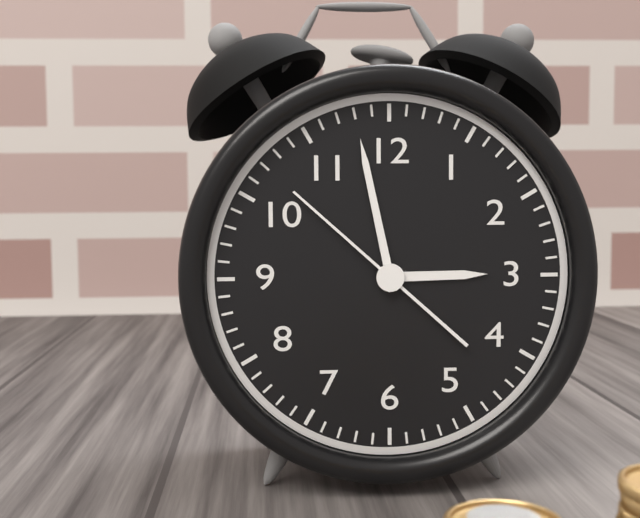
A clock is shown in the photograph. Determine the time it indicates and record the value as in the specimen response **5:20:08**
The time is **2:58:52**
